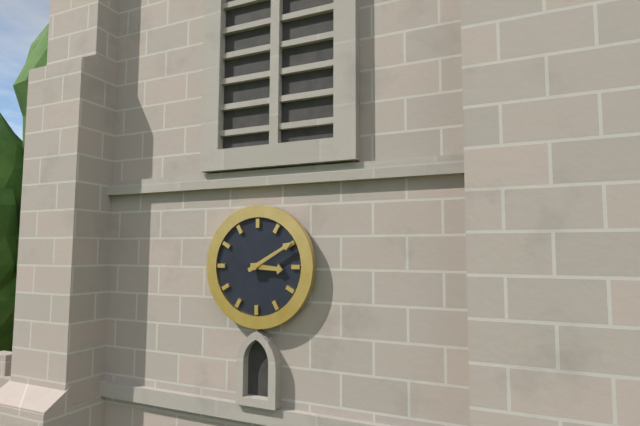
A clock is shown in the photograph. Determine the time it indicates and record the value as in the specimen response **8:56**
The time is **3:10**
